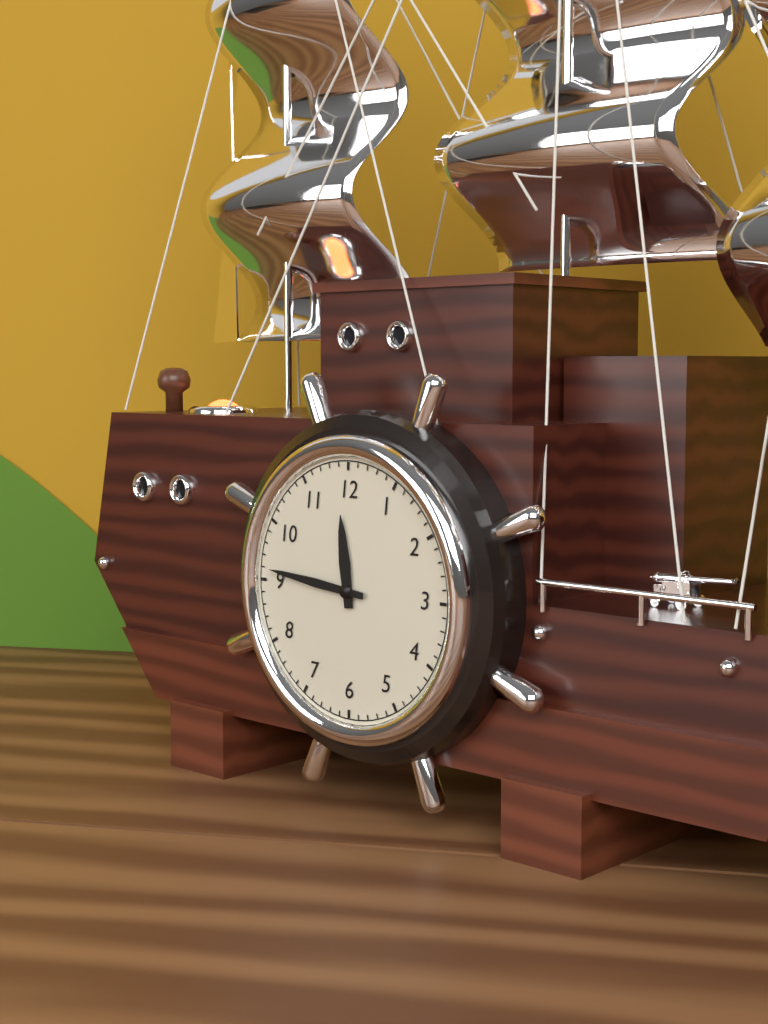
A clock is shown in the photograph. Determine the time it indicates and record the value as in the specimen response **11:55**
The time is **11:46**
